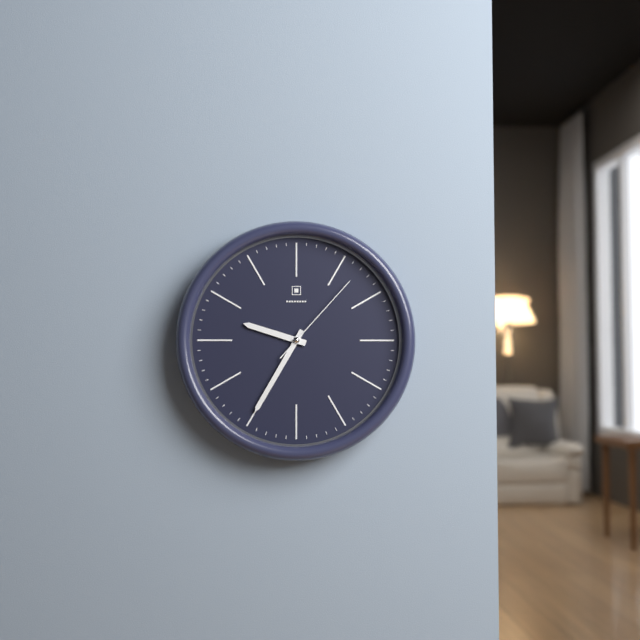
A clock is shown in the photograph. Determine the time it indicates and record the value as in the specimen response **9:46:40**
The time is **9:35:07**
